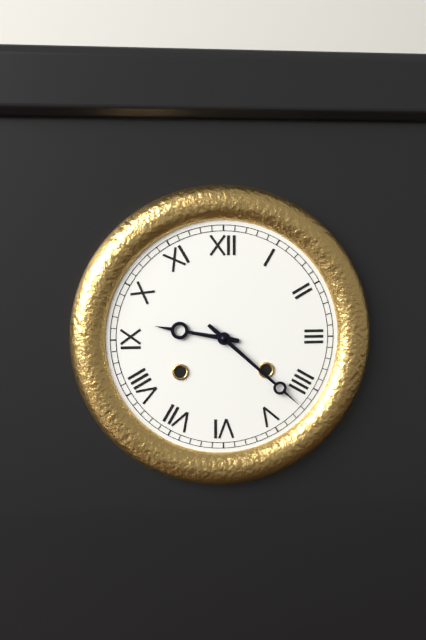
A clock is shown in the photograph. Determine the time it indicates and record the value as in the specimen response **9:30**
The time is **9:22**
